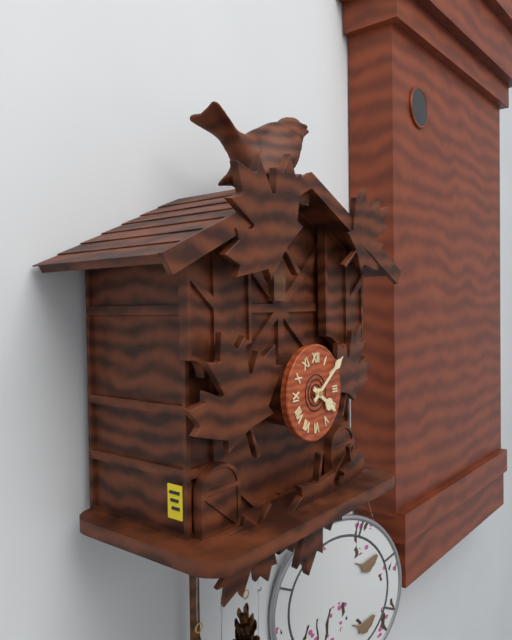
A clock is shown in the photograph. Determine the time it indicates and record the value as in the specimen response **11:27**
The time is **4:09**
